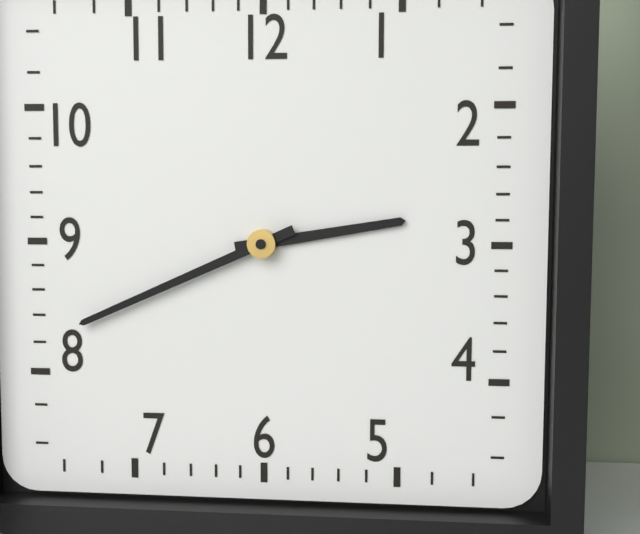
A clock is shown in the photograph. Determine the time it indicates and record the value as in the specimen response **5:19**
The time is **2:41**
